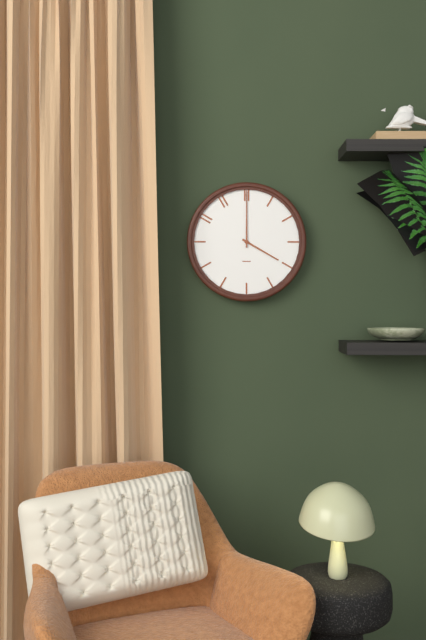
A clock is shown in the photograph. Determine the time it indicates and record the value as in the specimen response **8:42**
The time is **4:00**
